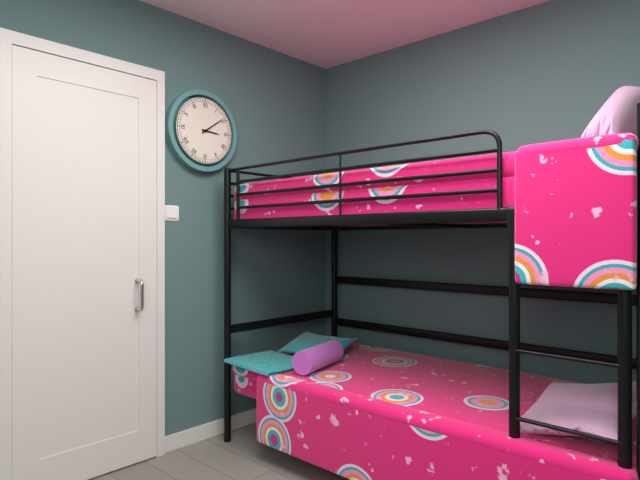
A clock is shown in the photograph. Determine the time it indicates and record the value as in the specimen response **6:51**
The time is **3:09**
